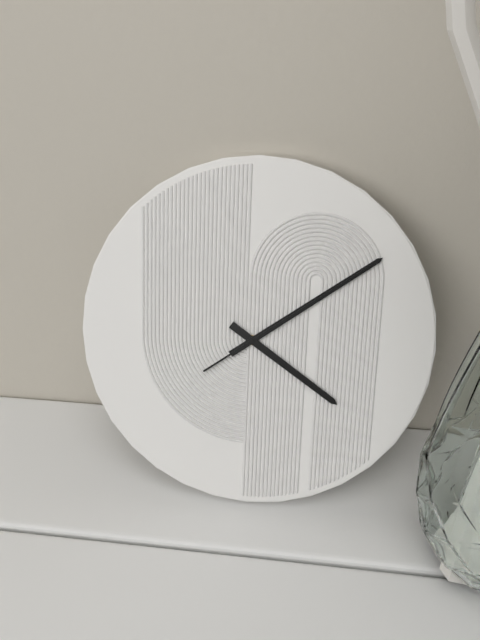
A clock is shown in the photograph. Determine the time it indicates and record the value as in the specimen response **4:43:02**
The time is **4:09:09**
